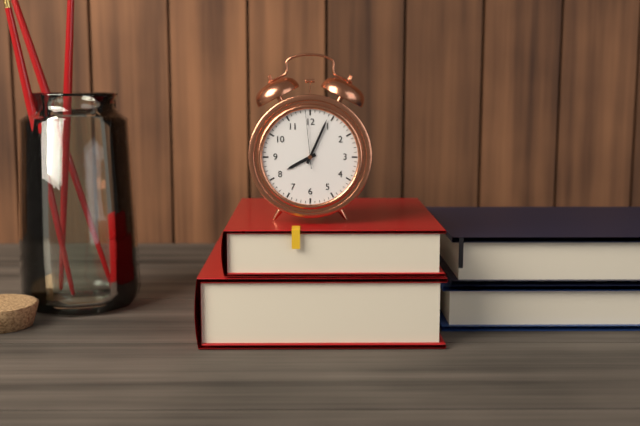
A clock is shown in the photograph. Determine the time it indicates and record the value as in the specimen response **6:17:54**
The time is **8:04:59**
